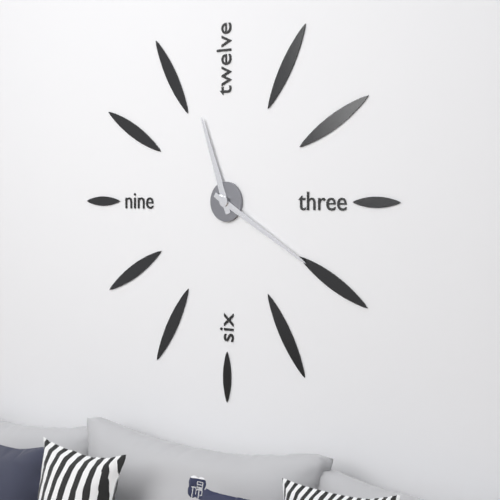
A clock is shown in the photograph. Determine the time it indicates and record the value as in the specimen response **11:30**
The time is **11:20**
